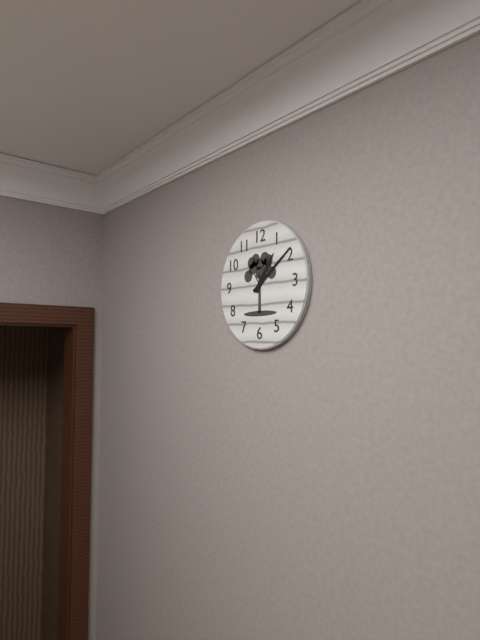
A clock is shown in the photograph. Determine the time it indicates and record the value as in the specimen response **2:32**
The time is **1:09**
